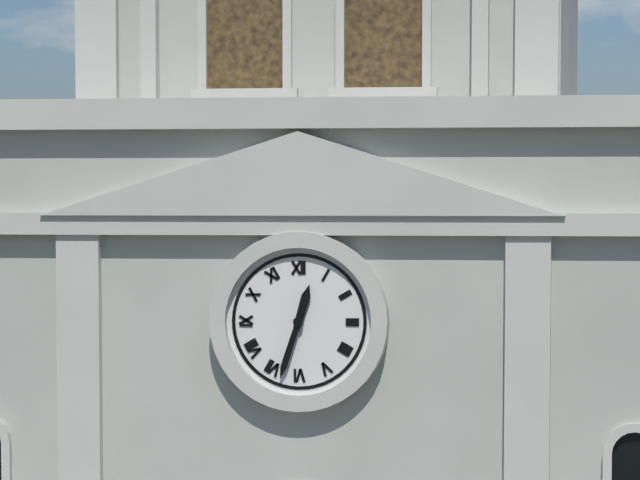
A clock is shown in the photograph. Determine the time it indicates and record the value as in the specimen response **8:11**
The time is **12:33**
